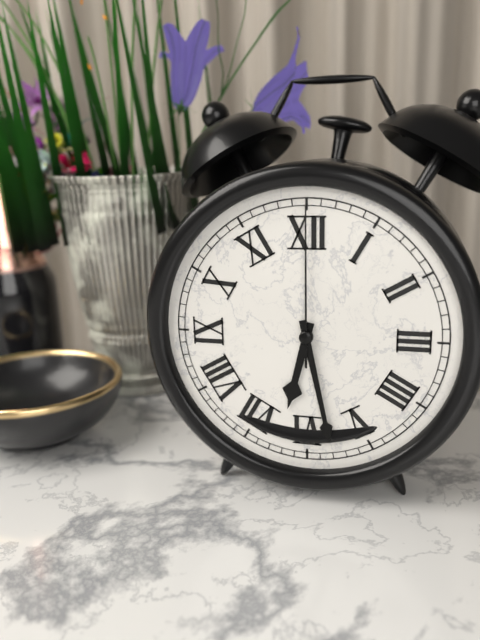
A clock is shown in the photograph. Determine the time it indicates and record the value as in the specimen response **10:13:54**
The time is **6:28:00**
